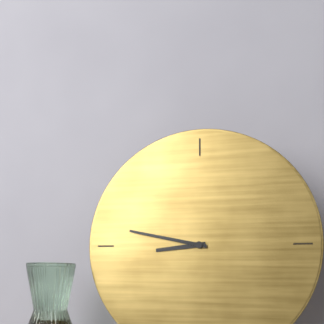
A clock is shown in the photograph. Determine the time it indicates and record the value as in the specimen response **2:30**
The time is **8:47**
